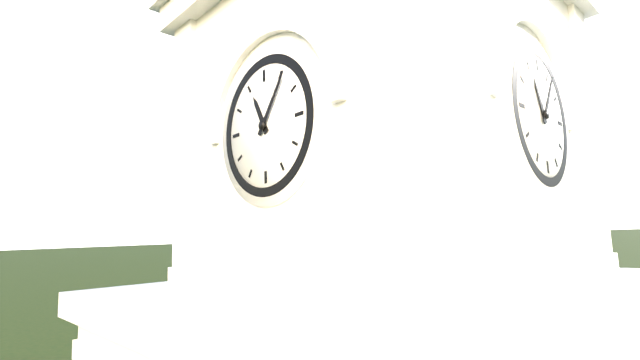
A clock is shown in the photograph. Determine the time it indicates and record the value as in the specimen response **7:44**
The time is **11:06**
